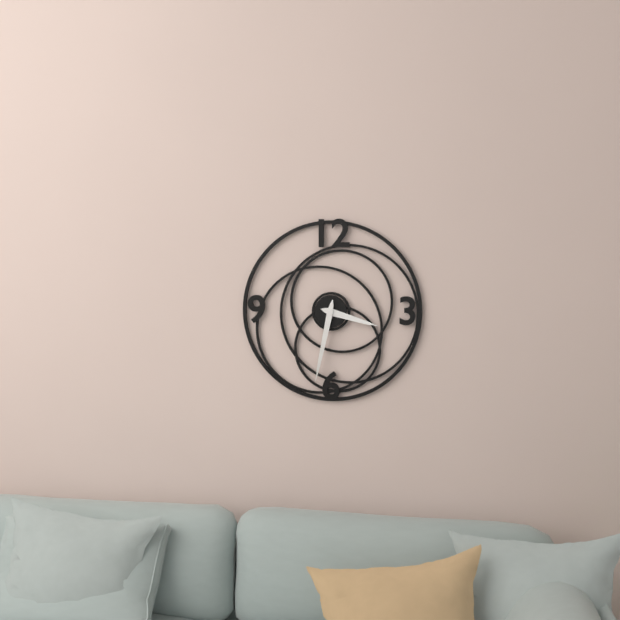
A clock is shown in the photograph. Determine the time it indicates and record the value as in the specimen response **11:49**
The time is **3:32**
